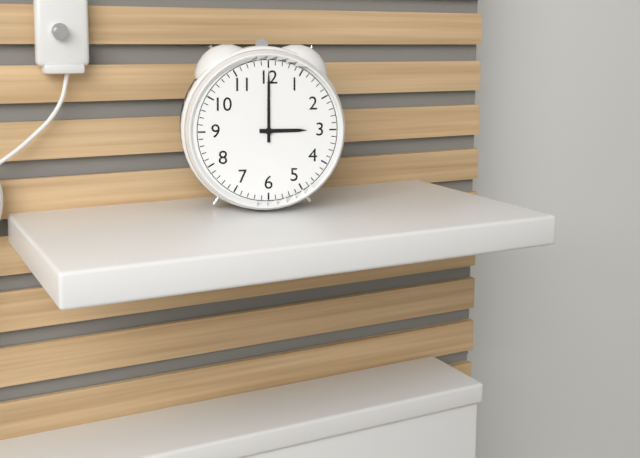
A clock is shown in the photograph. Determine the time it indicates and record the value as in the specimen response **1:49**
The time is **3:00**
